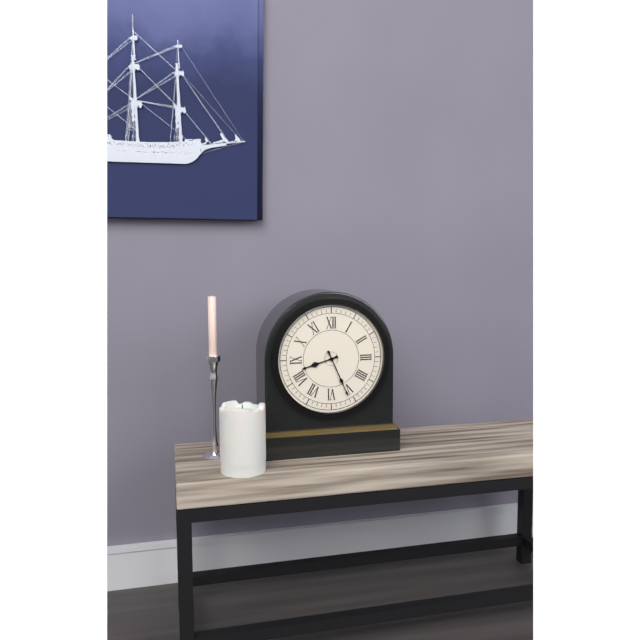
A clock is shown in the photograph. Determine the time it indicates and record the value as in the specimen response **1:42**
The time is **8:26**
